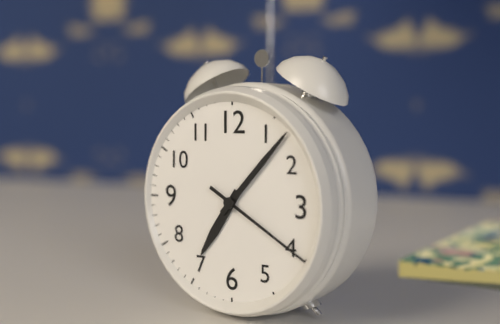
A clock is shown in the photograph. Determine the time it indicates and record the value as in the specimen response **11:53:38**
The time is **7:07:20**
